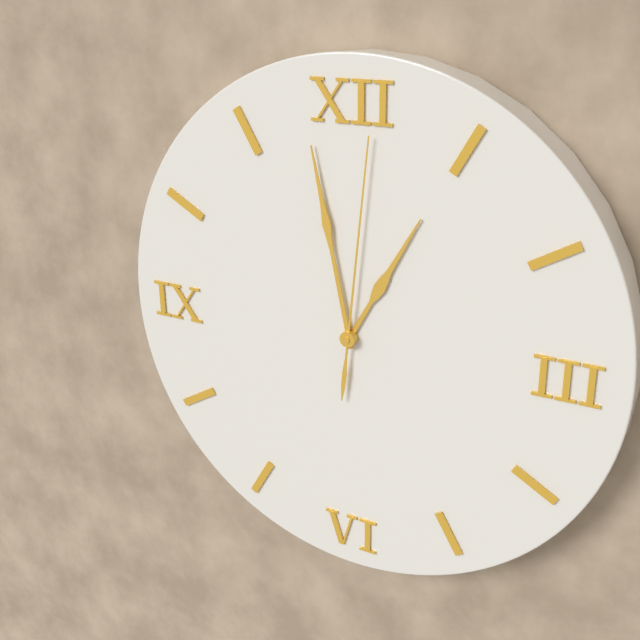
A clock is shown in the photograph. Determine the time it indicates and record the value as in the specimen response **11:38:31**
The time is **12:58:01**
